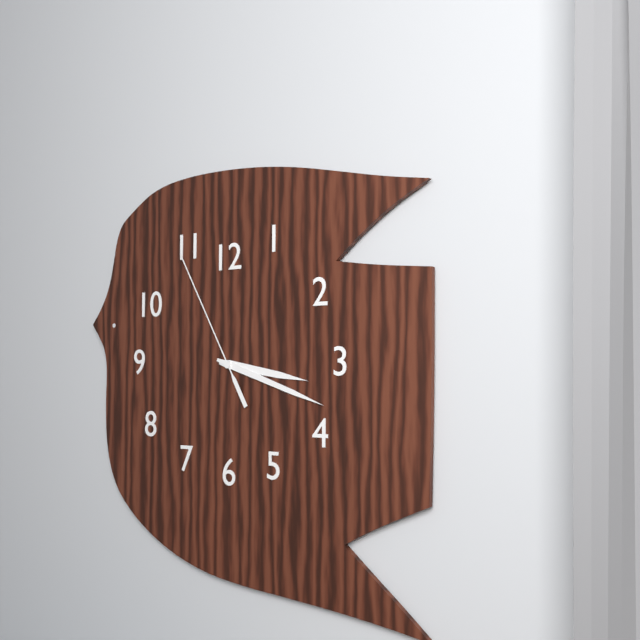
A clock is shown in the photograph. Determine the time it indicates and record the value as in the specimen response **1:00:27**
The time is **3:18:55**
